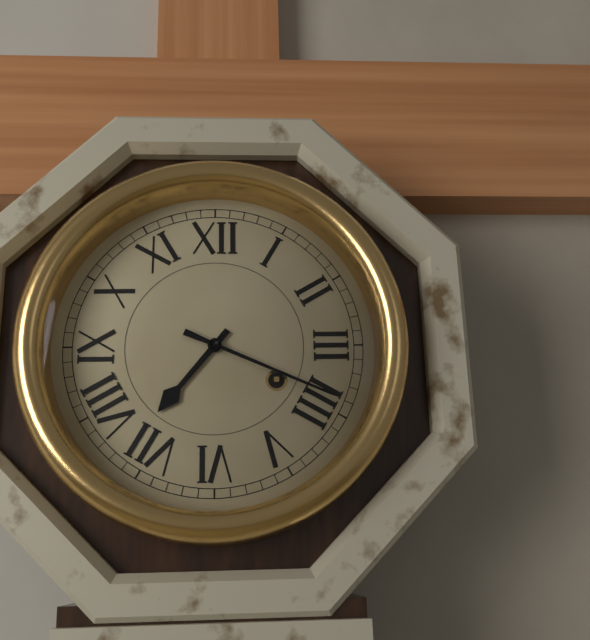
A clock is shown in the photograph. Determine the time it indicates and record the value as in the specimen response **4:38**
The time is **7:19**
